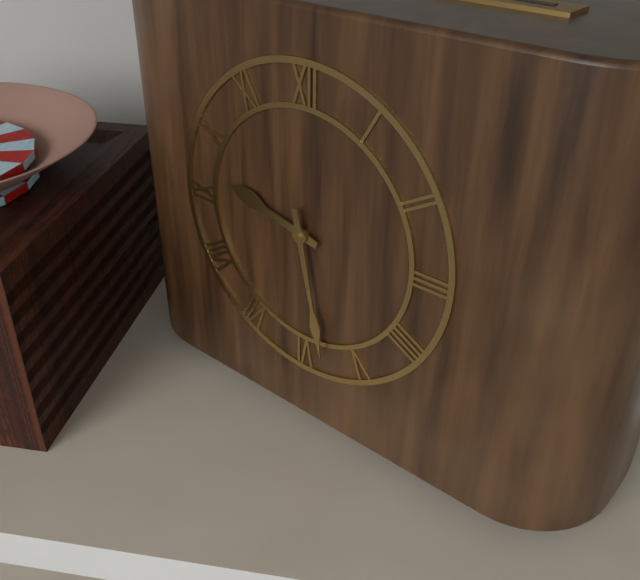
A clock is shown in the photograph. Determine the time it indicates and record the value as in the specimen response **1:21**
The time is **9:28**
